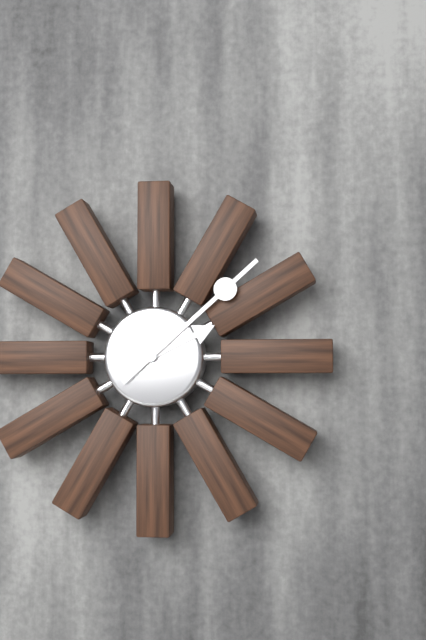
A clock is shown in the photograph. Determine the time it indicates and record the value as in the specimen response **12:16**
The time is **2:08**
